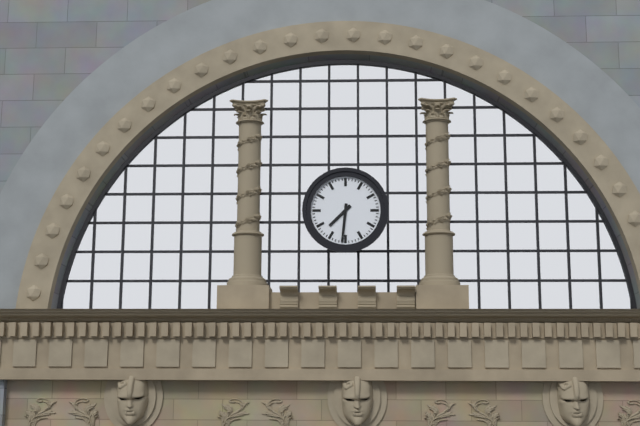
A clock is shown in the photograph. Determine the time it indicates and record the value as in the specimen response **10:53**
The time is **7:31**
